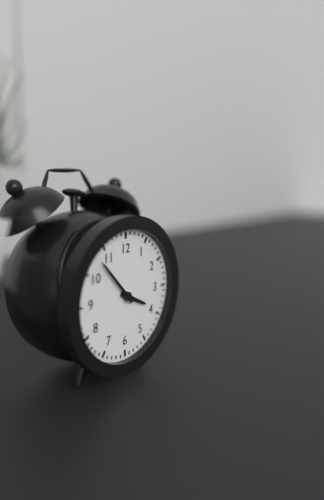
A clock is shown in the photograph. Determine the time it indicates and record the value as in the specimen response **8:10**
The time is **3:53**
